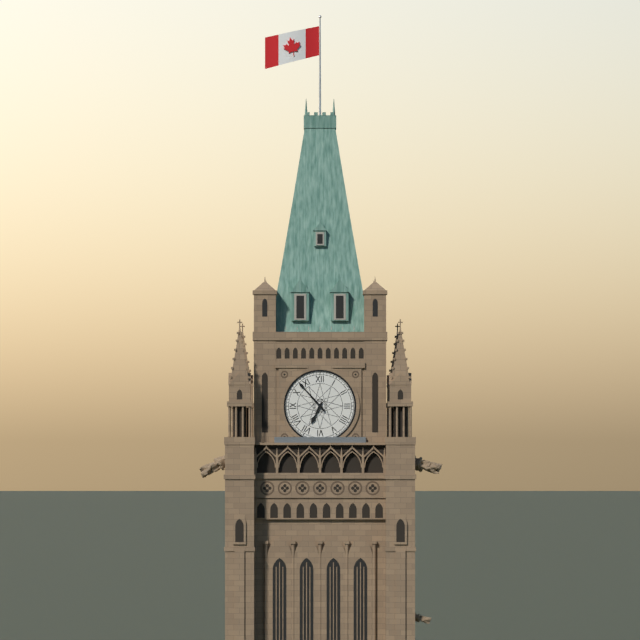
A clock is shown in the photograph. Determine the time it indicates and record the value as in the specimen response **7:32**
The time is **6:53**
